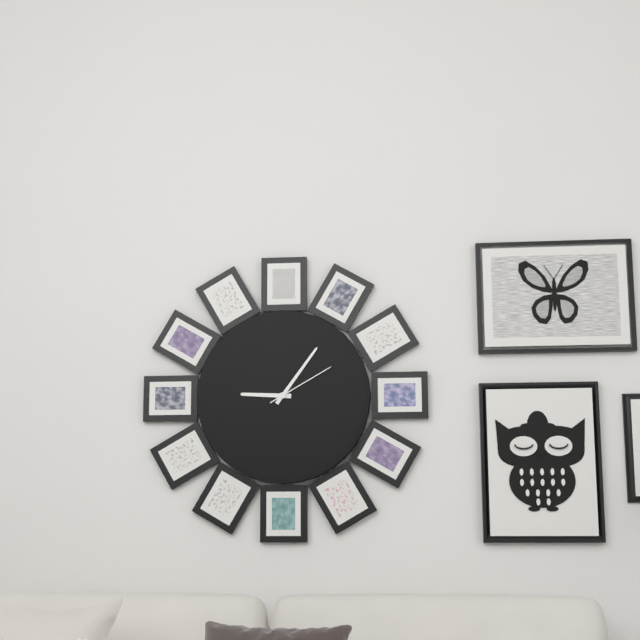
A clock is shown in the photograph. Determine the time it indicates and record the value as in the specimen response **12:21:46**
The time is **9:06:10**
